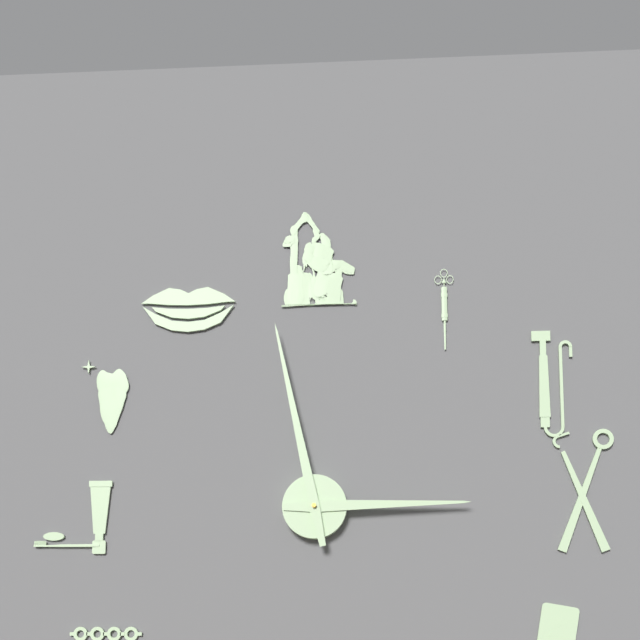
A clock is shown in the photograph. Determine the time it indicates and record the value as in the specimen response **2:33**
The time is **2:58**
